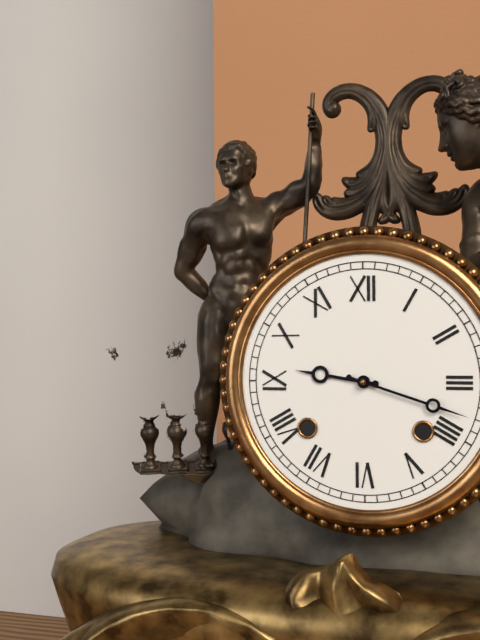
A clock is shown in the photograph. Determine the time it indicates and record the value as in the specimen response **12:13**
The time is **9:18**
